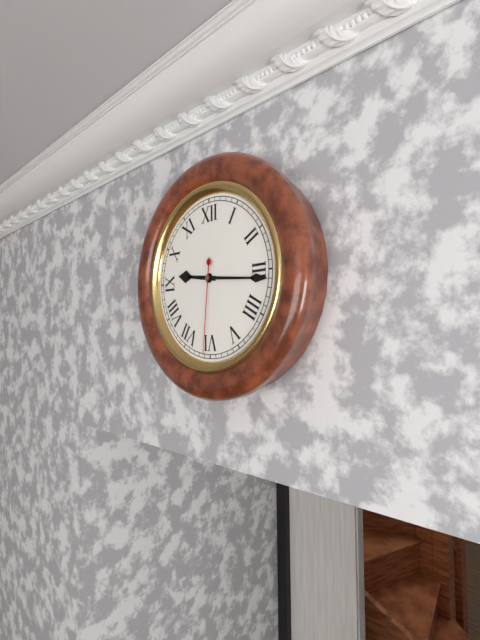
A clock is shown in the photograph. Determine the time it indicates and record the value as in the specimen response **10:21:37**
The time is **9:16:31**
